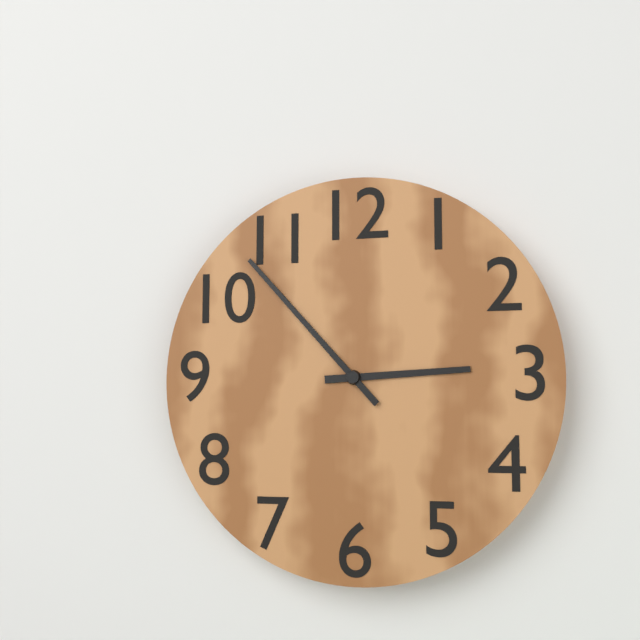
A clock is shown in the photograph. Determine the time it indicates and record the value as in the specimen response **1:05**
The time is **2:53**
